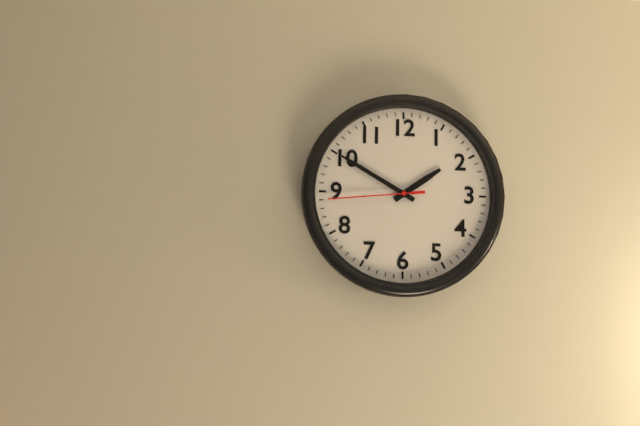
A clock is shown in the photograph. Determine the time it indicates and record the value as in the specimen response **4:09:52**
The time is **1:50:44**
